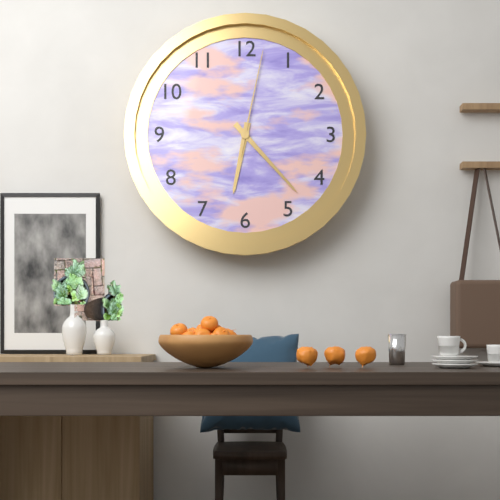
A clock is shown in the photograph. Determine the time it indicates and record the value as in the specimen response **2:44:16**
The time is **6:23:02**
